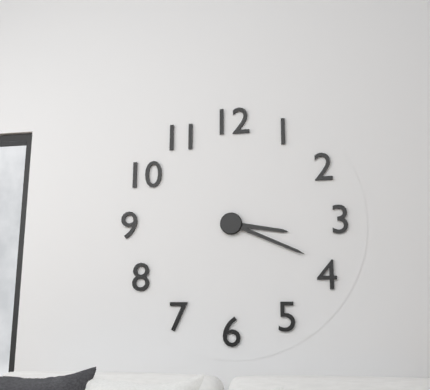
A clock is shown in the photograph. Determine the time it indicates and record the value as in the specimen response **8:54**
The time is **3:19**
